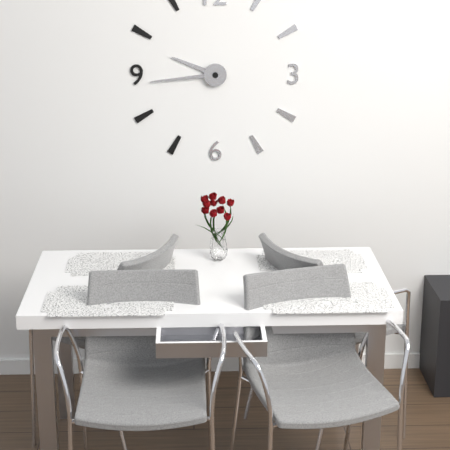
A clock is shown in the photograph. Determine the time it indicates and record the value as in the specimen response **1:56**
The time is **9:44**
